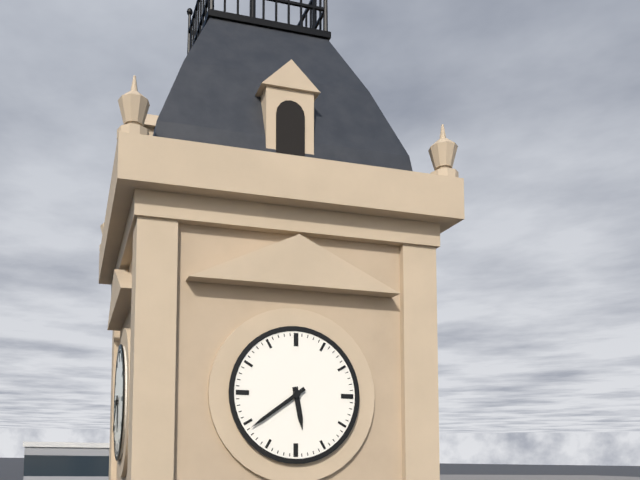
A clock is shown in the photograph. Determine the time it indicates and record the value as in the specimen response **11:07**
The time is **5:39**
